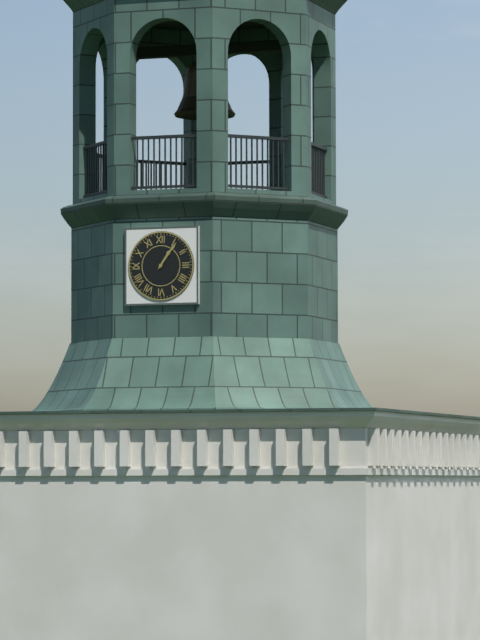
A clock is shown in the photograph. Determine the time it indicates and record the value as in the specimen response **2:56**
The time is **1:06**
